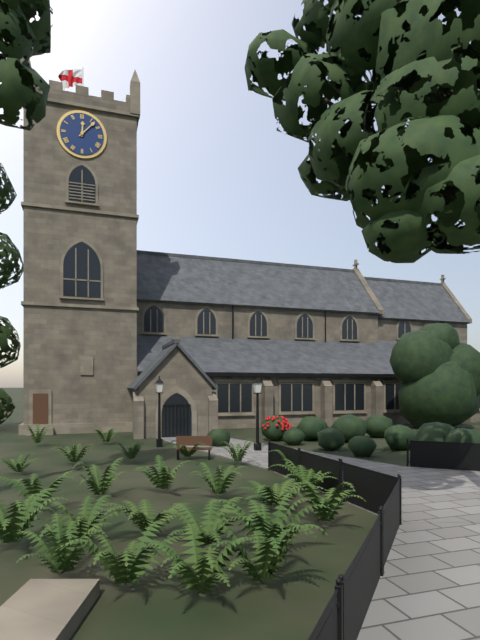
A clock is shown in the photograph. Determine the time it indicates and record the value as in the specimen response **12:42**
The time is **12:07**
